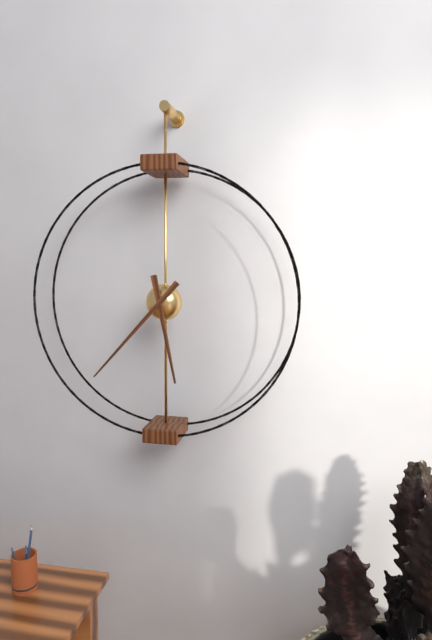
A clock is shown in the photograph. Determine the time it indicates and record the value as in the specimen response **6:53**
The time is **5:37**
